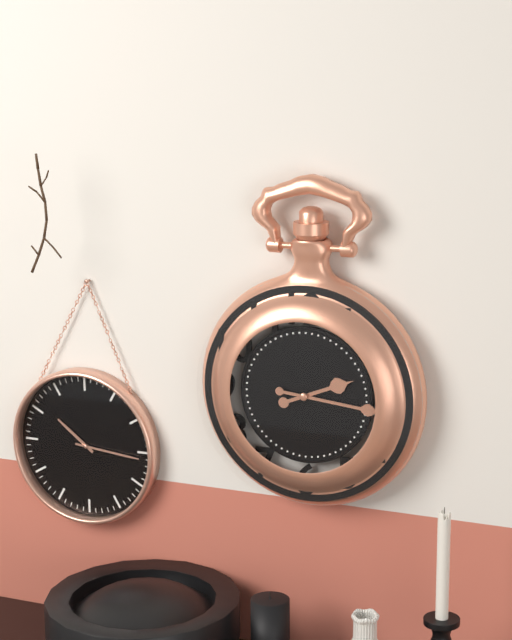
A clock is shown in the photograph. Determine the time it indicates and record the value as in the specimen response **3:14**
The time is **2:16**
